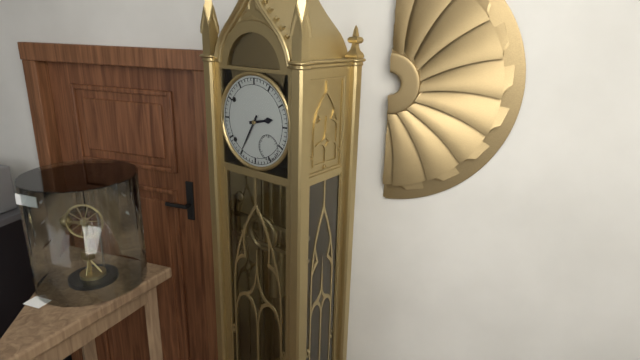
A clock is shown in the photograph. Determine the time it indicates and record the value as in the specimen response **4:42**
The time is **2:35**
